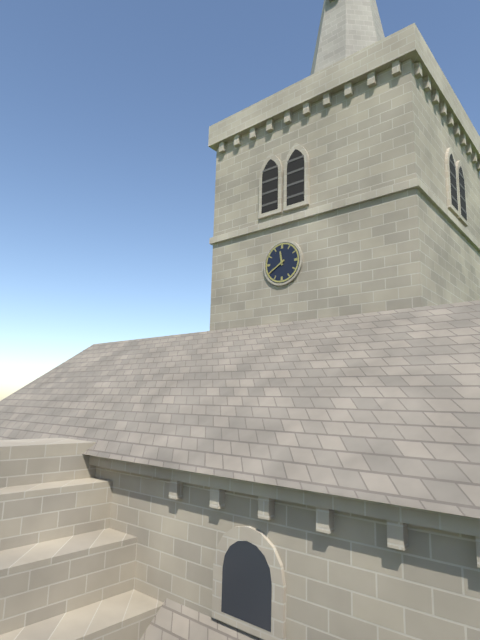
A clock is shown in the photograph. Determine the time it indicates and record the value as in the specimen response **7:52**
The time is **11:40**
